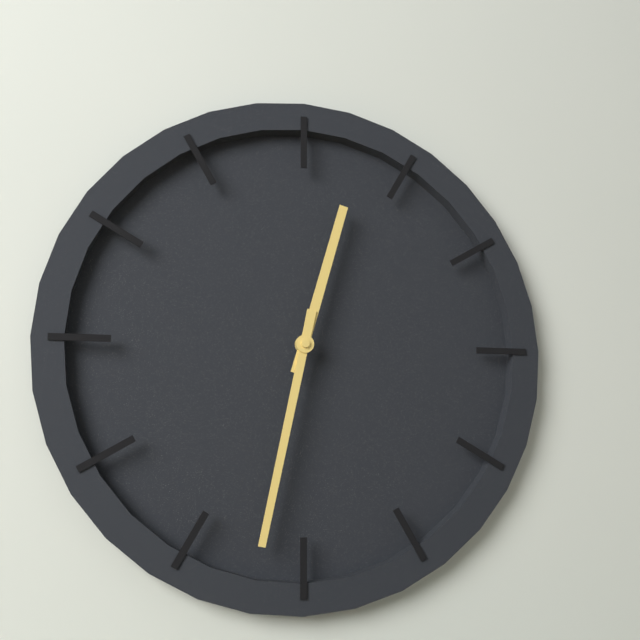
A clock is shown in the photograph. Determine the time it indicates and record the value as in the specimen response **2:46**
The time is **12:32**
